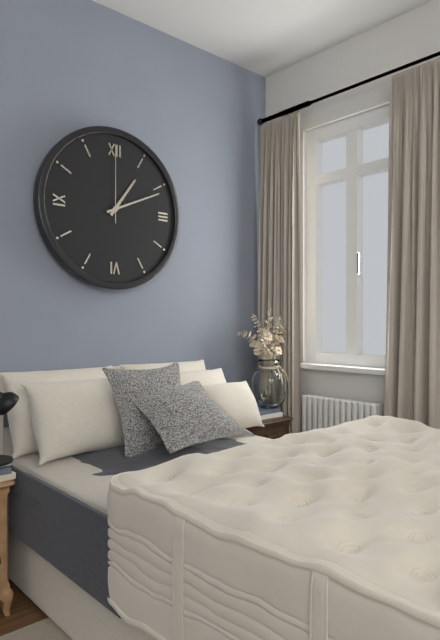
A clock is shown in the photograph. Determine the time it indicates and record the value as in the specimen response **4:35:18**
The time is **1:11:00**
